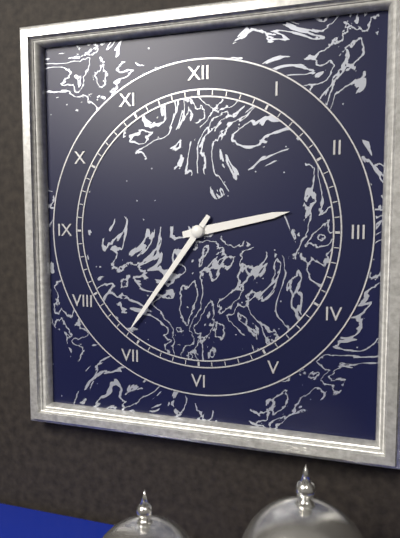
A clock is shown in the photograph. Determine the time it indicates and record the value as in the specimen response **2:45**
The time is **2:36**
